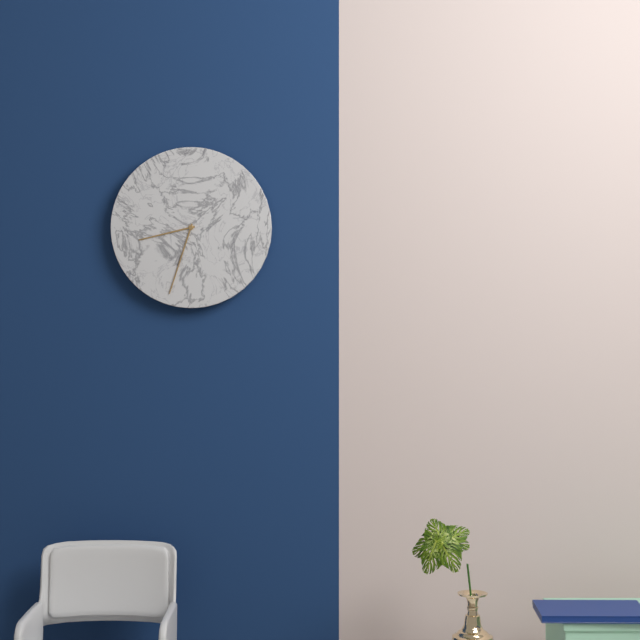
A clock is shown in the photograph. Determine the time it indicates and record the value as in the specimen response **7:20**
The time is **8:33**
